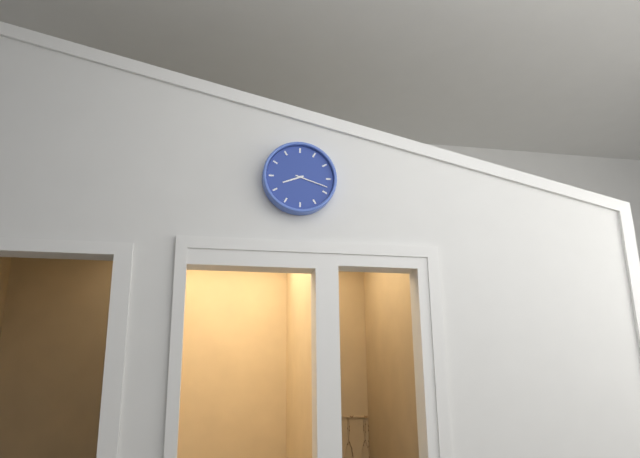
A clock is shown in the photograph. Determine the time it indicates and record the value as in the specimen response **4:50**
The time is **8:18**
